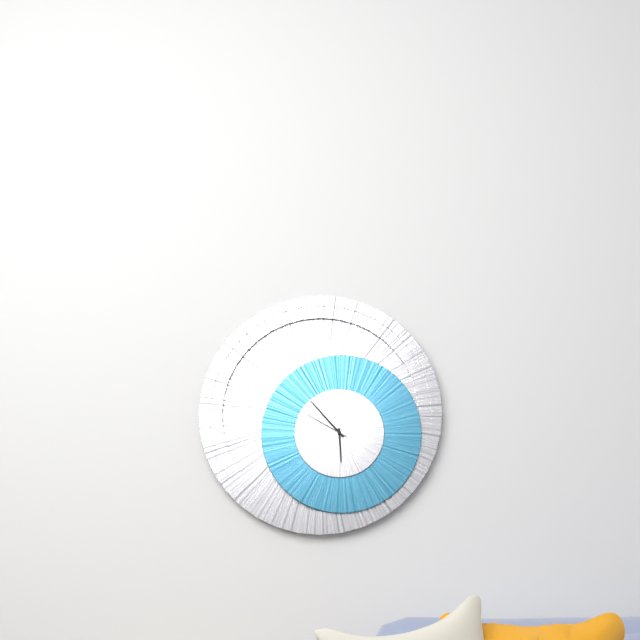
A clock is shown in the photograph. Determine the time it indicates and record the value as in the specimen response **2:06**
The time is **5:53**
